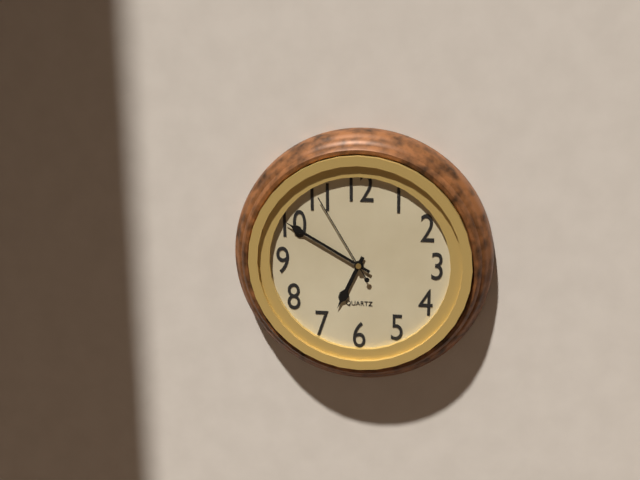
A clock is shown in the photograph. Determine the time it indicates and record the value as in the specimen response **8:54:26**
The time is **6:50:55**
